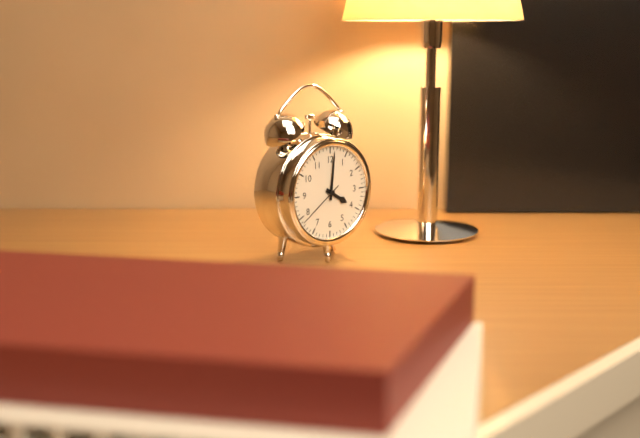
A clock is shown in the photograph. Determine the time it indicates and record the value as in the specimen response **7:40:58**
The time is **4:01:39**
